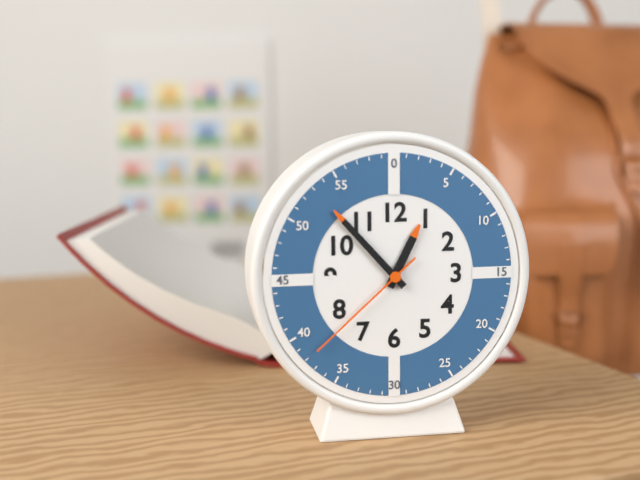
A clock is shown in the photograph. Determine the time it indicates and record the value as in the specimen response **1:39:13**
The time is **12:53:38**
